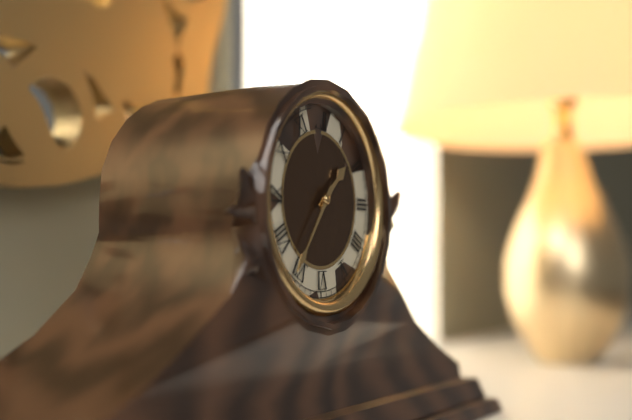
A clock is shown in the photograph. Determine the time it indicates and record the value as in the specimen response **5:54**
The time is **1:36**
